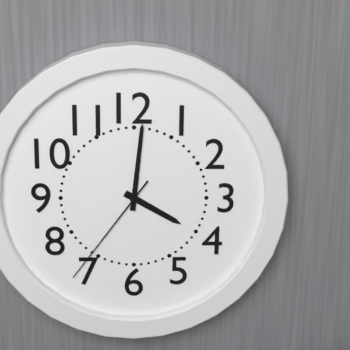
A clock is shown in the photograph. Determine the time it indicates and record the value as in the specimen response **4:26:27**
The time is **4:01:36**
